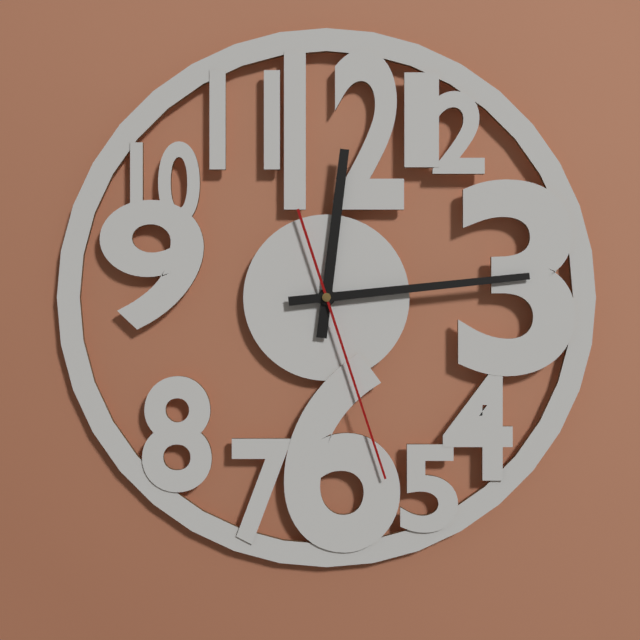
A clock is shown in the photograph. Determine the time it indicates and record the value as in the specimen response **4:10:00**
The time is **12:14:27**
